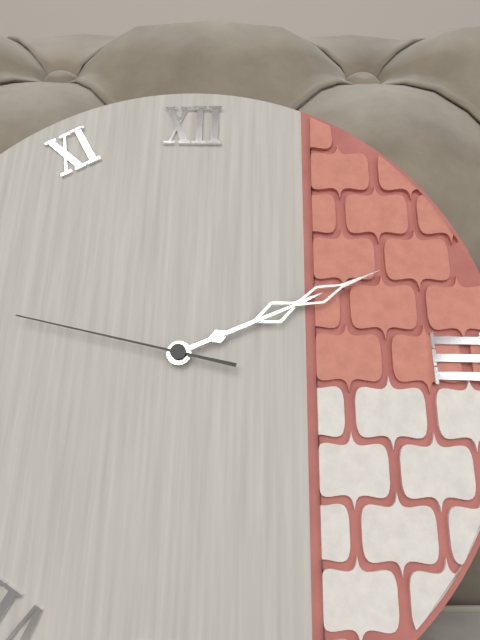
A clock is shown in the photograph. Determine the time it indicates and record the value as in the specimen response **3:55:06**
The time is **2:11:47**
